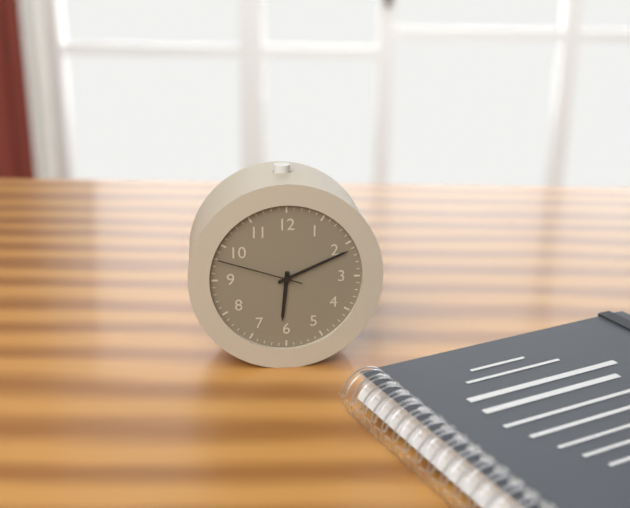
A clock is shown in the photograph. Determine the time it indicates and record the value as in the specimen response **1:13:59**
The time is **6:11:48**
